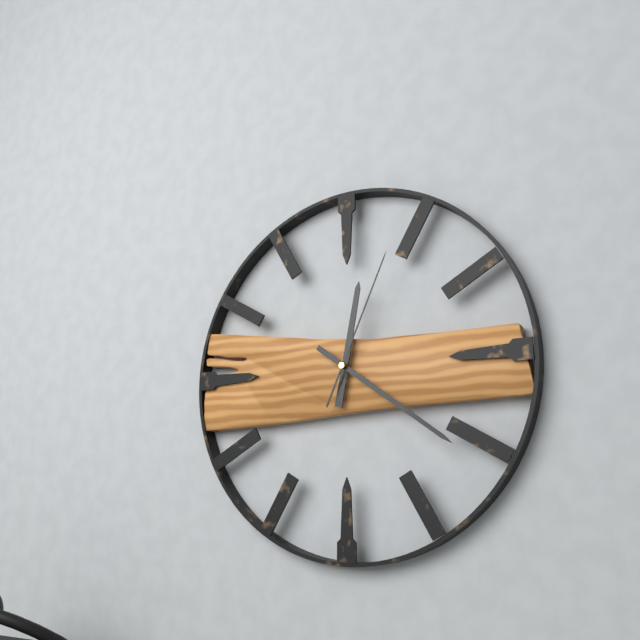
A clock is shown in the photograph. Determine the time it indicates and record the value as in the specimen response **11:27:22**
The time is **12:21:04**
